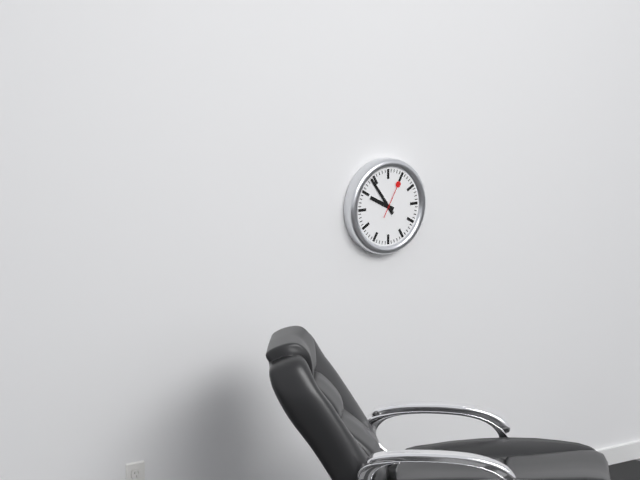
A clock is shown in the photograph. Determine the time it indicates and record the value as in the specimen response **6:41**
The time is **9:54**
